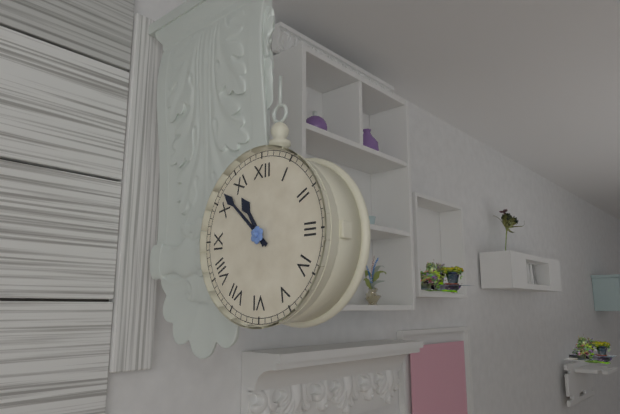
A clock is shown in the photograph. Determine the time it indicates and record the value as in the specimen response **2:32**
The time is **10:52**
